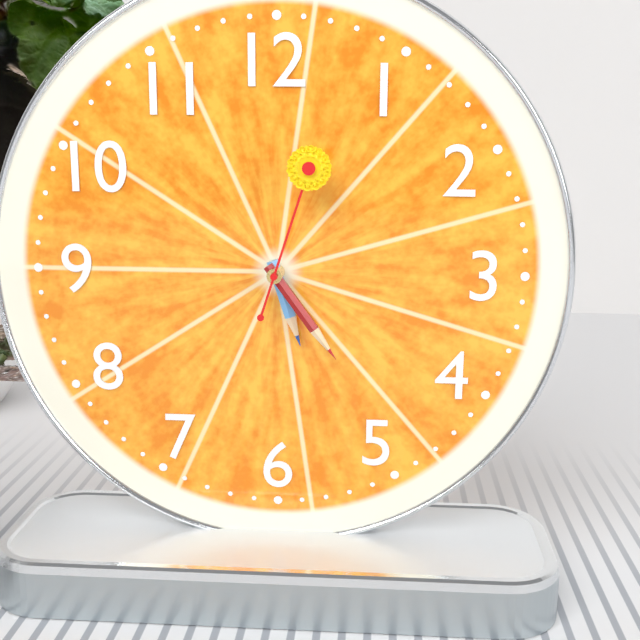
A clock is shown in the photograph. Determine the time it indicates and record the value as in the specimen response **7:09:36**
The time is **5:24:03**
